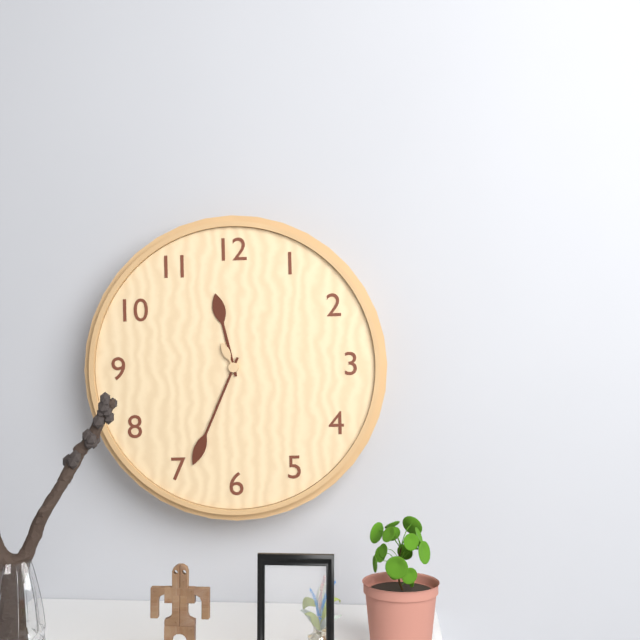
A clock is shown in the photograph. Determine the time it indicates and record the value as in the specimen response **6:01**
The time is **11:34**
